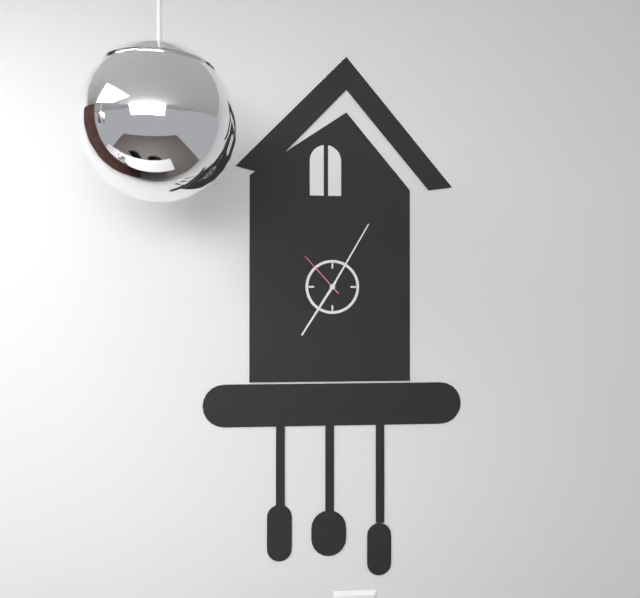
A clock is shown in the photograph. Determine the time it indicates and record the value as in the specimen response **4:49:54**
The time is **7:05:53**
